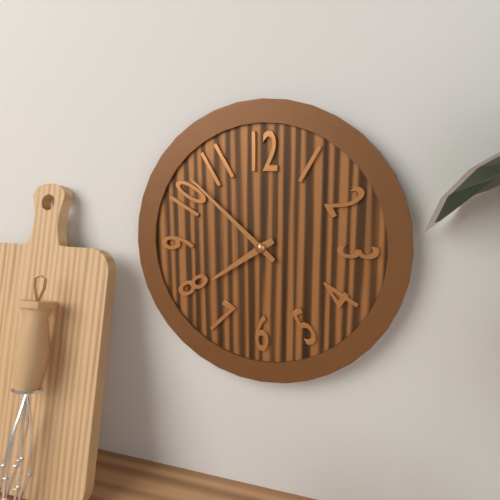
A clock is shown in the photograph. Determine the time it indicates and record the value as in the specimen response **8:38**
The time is **7:52**
